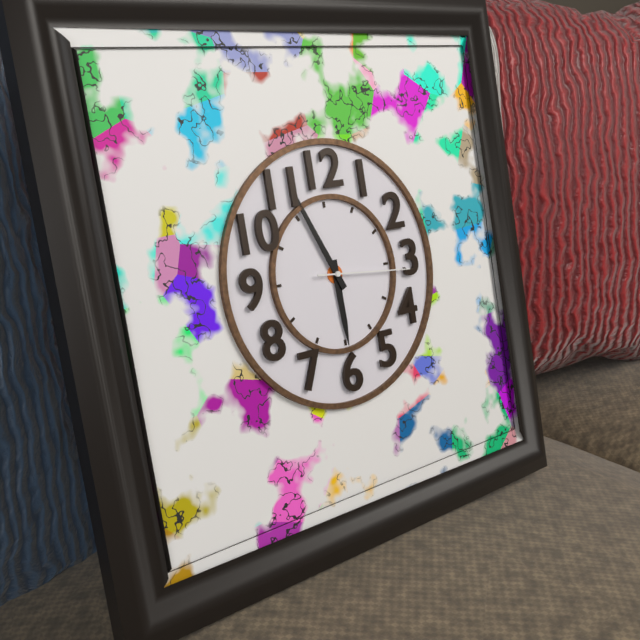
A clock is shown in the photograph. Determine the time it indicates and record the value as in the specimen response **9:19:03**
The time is **5:56:16**
